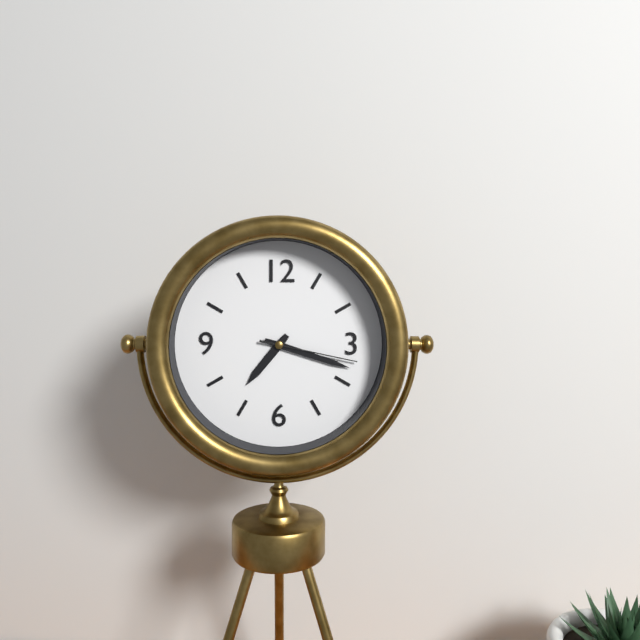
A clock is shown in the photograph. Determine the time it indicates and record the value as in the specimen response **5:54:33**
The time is **7:18:17**
